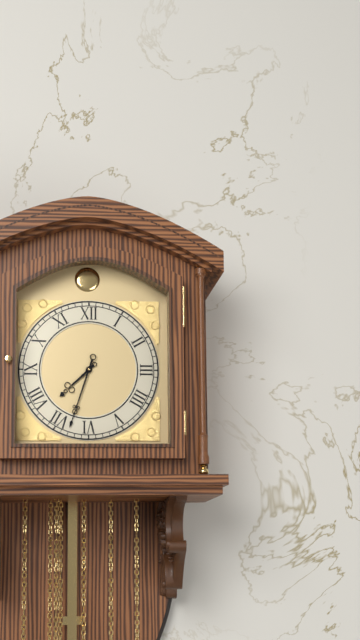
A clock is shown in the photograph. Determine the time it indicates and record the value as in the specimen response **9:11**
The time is **7:33**
